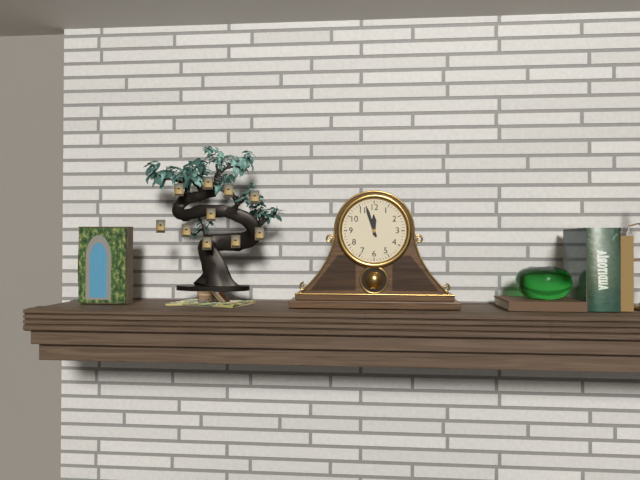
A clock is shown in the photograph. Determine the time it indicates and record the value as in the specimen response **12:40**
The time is **11:57**
